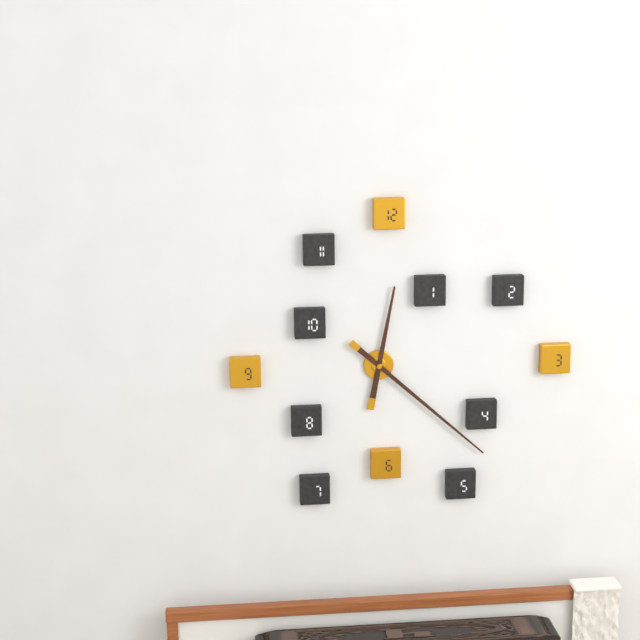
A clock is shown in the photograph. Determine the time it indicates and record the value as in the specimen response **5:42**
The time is **12:22**
